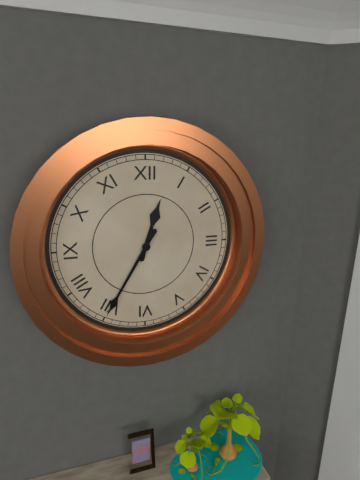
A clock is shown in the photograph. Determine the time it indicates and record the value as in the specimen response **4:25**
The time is **12:35**
